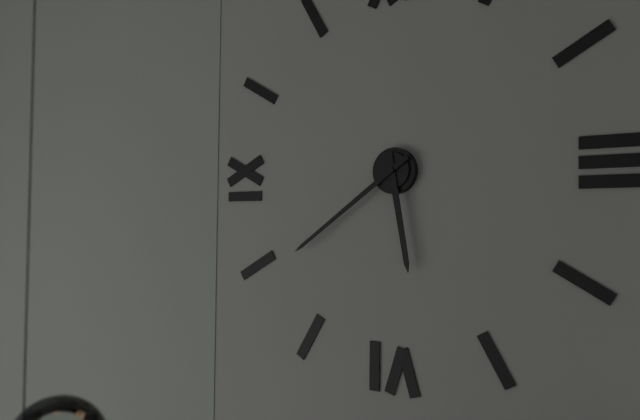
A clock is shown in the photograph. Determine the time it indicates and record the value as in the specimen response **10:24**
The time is **5:39**
